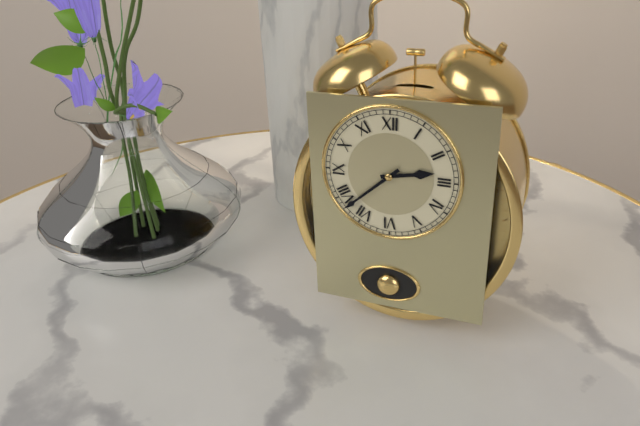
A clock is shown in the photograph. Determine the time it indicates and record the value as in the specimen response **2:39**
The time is **2:38**
